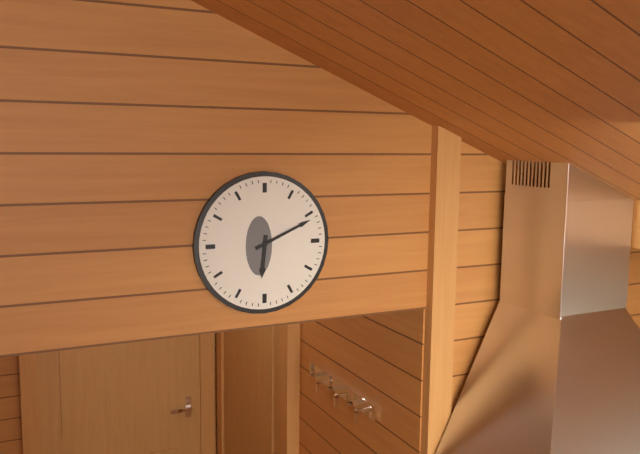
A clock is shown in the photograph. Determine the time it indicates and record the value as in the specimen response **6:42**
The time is **6:11**
